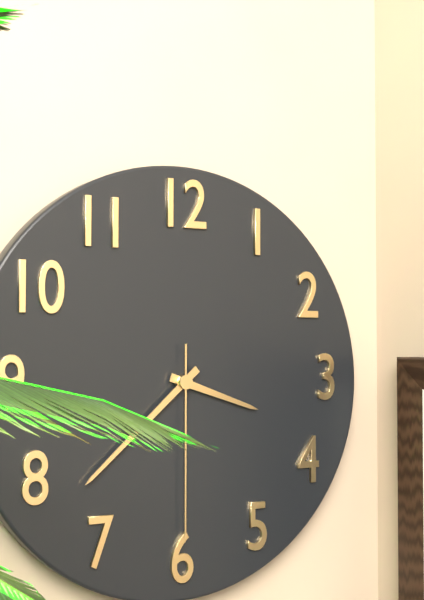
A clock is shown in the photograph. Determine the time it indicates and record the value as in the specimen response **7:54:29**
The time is **3:38:30**
